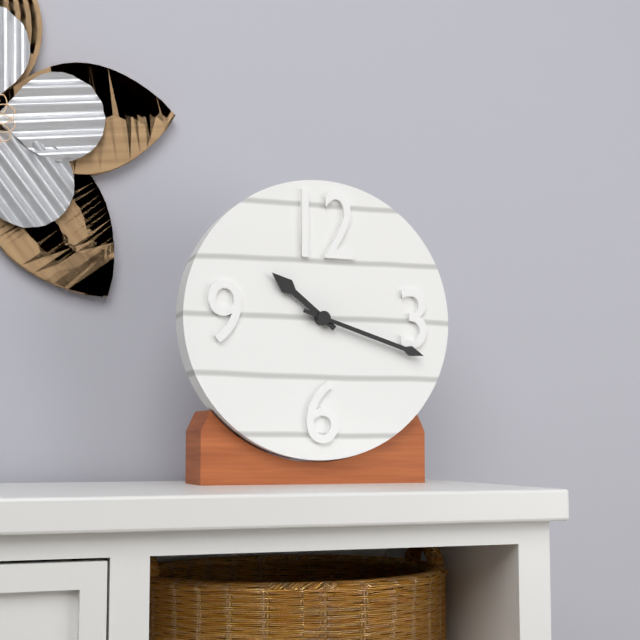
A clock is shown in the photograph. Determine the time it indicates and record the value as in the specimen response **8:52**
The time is **10:18**
